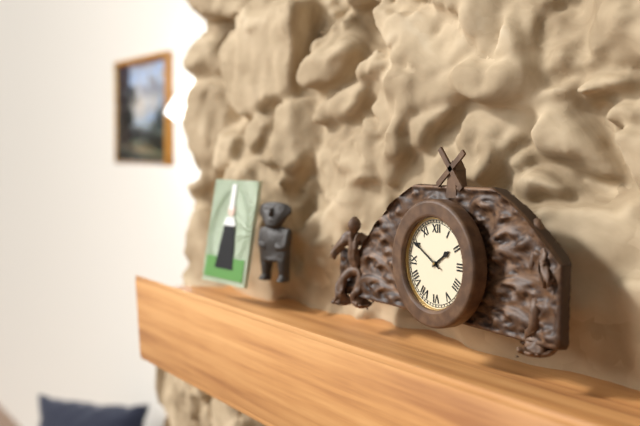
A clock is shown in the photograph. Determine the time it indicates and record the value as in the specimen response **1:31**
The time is **1:50**
